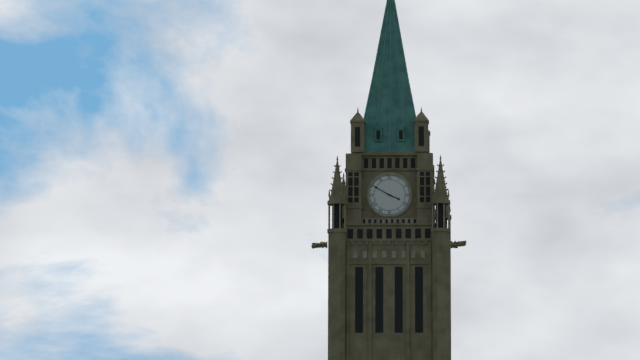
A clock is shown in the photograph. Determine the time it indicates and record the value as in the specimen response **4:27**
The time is **3:50**
